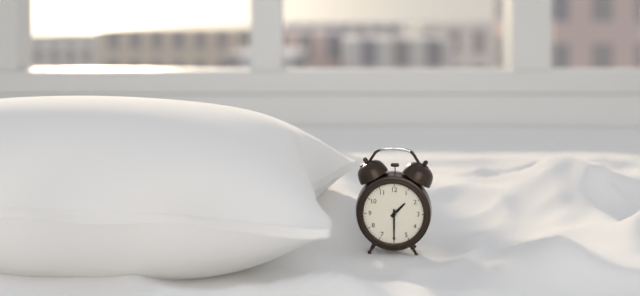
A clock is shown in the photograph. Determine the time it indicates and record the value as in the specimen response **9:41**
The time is **1:30**
